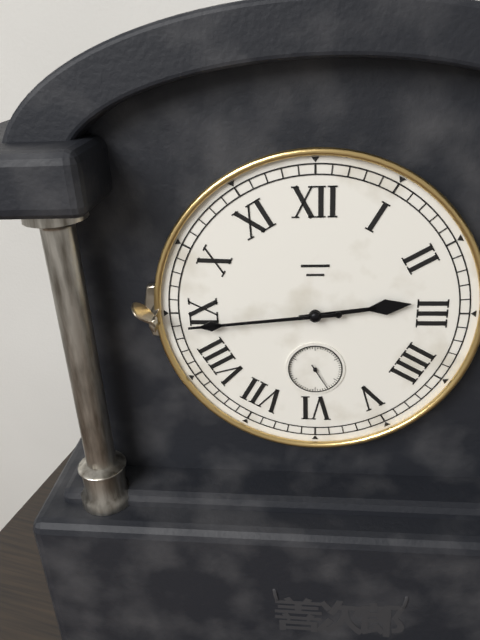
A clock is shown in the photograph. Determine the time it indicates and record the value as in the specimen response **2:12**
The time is **2:44**
